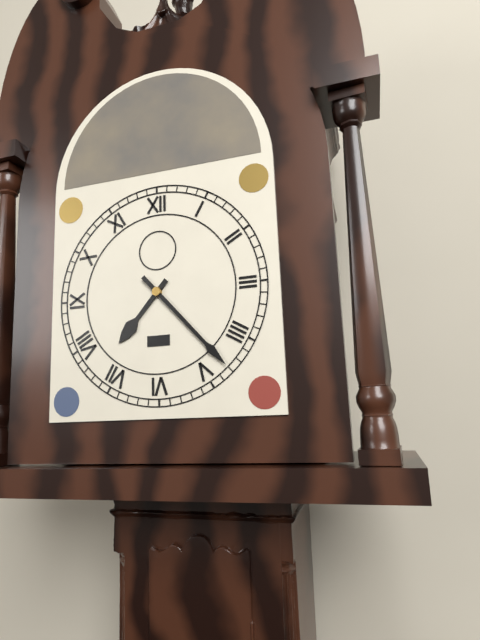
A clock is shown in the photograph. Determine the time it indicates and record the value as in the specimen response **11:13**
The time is **7:23**
